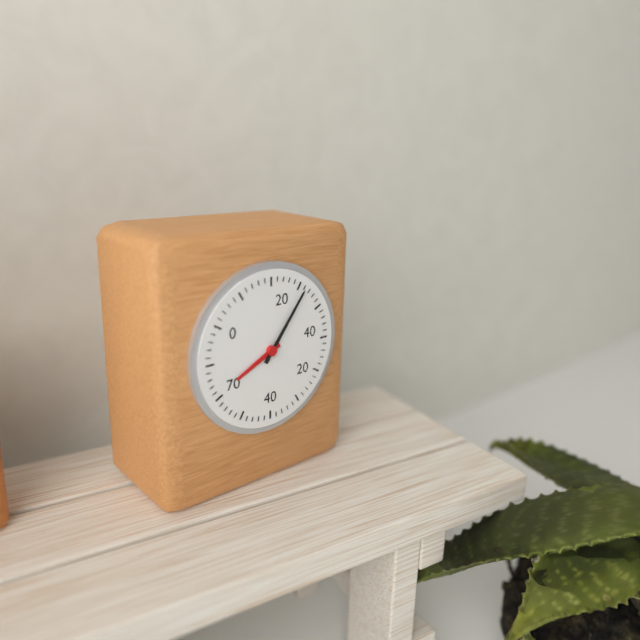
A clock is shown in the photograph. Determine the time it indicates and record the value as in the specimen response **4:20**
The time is **8:06**
